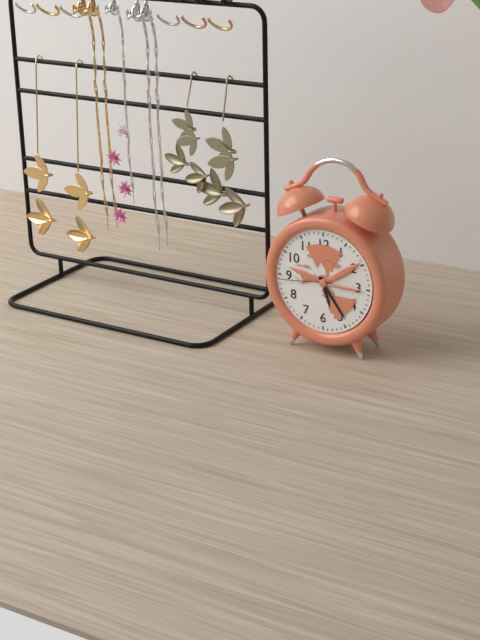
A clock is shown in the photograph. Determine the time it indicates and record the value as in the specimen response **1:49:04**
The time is **5:24:44**
